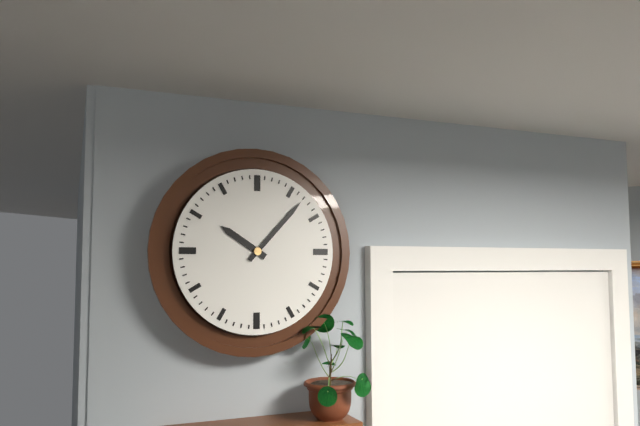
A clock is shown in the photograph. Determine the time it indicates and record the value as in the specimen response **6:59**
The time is **10:07**
